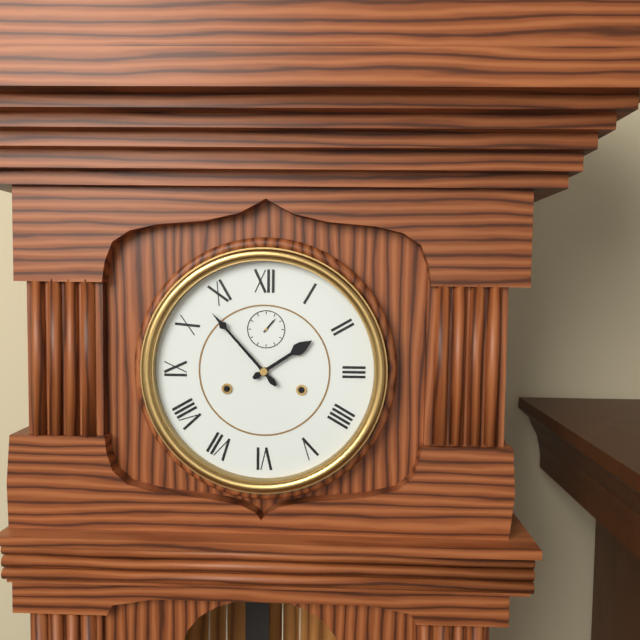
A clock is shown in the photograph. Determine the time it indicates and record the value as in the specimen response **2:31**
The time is **1:53**
